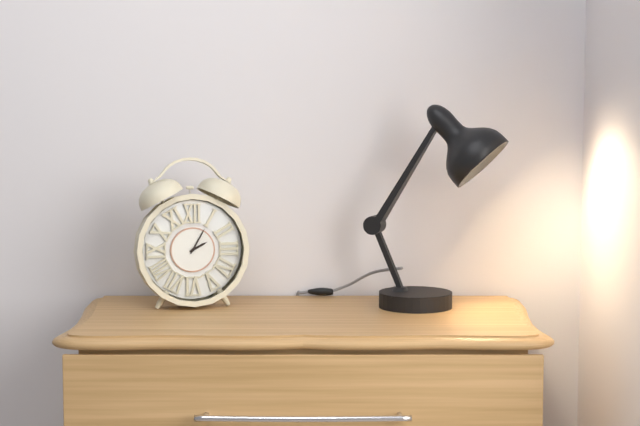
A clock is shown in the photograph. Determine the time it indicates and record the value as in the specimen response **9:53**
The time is **2:05**
